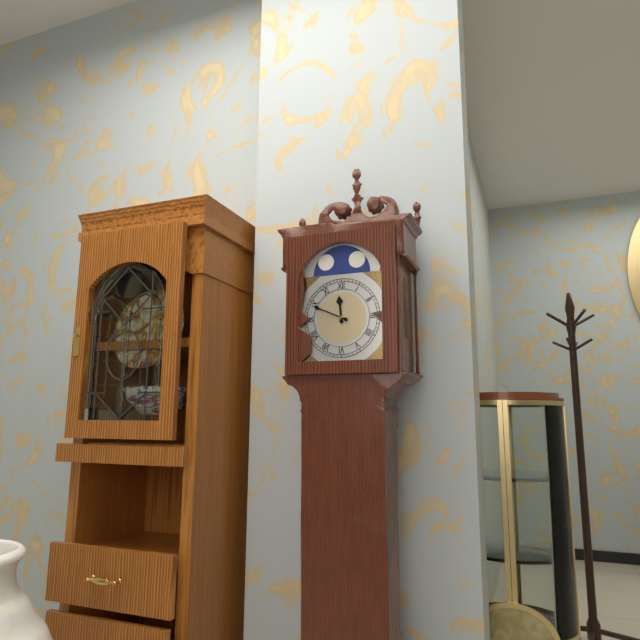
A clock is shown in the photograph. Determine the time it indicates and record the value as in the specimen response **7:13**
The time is **11:49**
